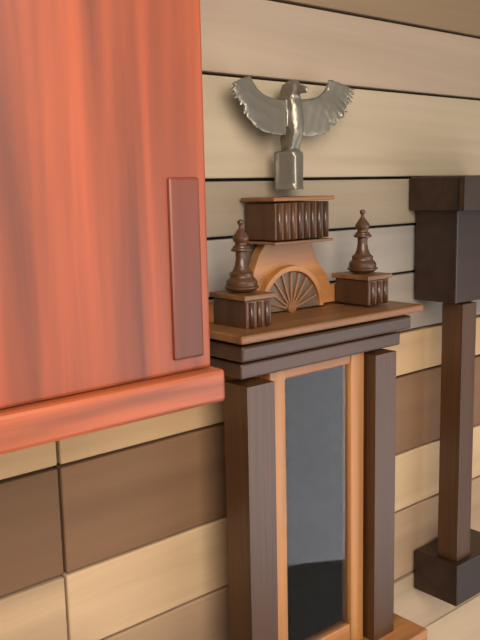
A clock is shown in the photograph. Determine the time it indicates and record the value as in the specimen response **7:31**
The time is **2:55**
